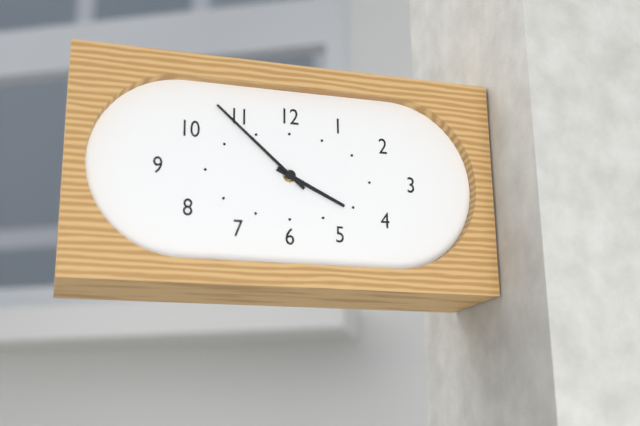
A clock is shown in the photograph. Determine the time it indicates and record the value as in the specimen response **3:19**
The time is **3:52**
